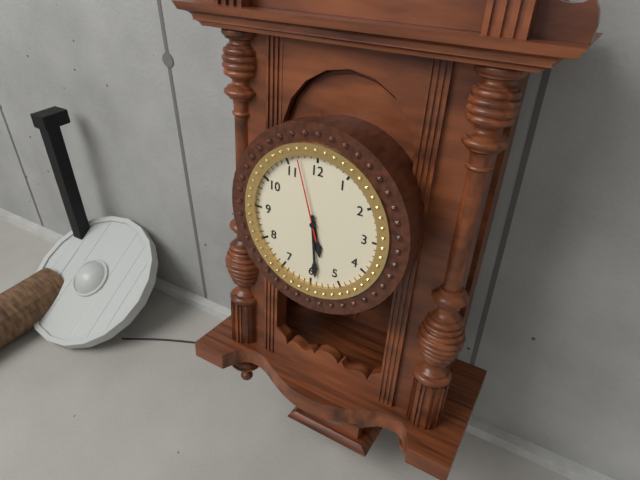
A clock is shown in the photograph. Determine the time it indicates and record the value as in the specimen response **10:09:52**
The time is **5:29:57**
